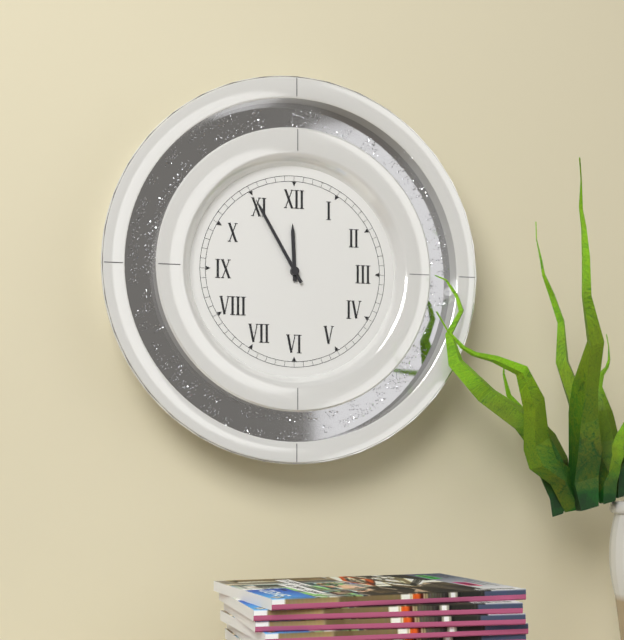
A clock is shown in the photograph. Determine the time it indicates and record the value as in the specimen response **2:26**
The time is **11:55**
